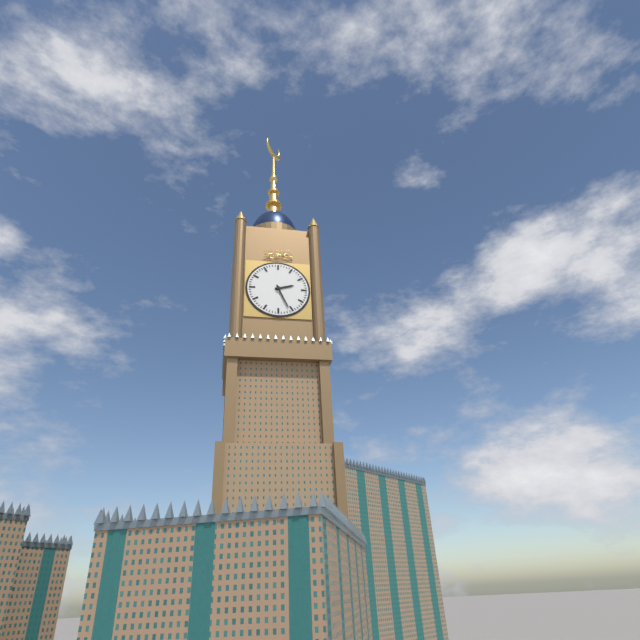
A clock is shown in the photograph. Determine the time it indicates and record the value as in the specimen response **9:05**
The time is **2:26**
